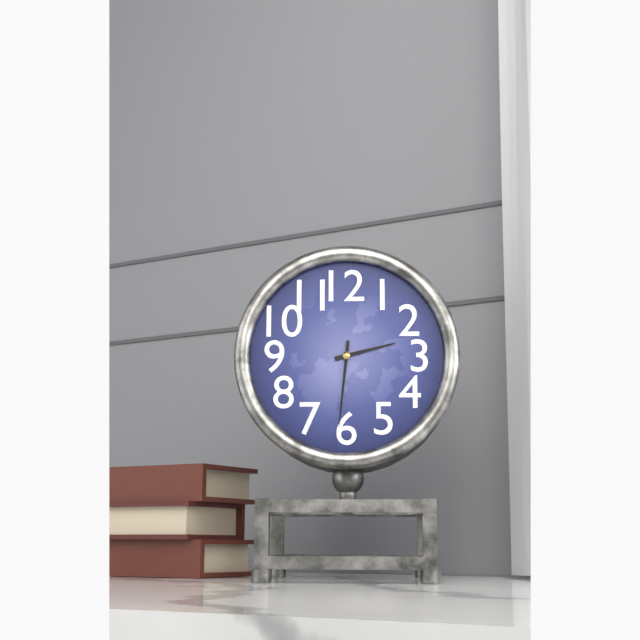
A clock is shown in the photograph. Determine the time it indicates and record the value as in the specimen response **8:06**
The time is **2:31**
